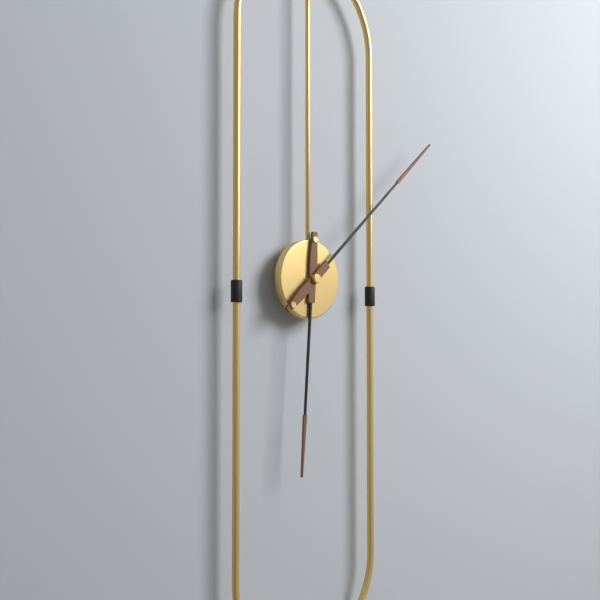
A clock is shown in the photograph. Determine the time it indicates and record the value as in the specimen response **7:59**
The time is **6:08**
